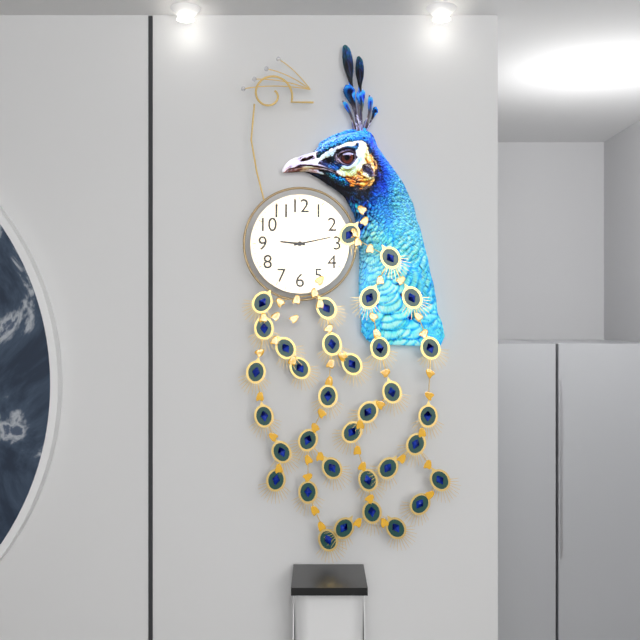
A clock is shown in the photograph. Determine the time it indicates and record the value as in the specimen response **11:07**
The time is **9:13**
